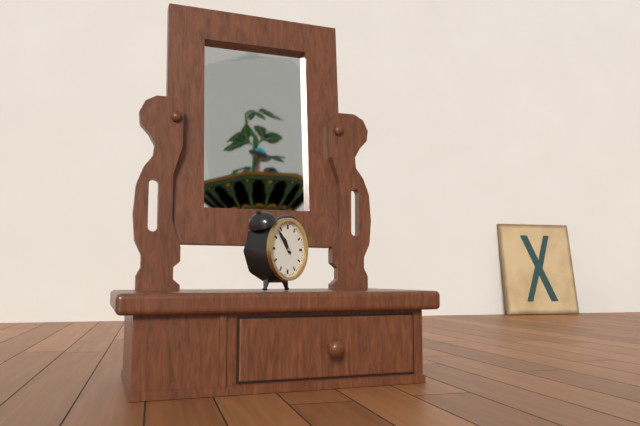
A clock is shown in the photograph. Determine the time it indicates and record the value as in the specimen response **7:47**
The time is **10:53**
